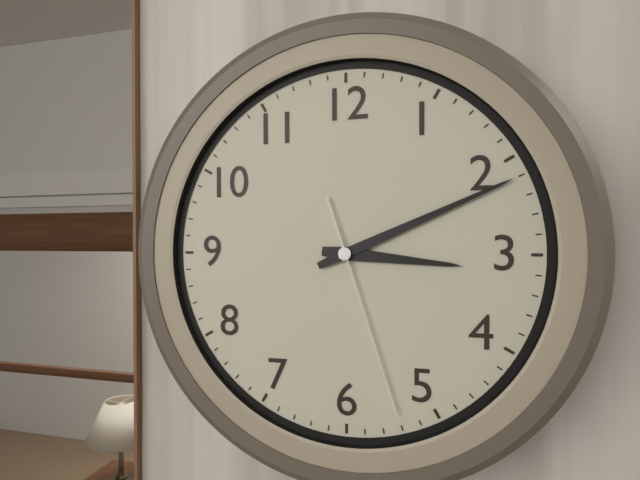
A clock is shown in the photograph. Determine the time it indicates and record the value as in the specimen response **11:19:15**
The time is **3:11:27**
